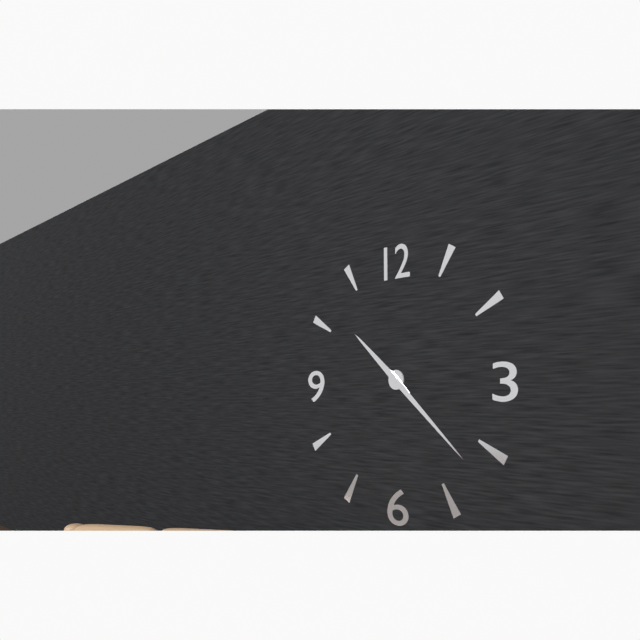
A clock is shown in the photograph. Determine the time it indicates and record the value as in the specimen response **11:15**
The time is **10:22**
